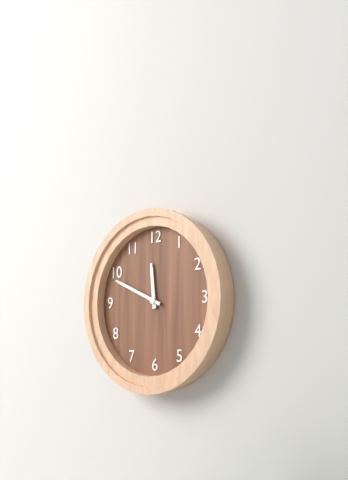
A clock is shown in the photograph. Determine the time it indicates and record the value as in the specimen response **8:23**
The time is **11:49**
